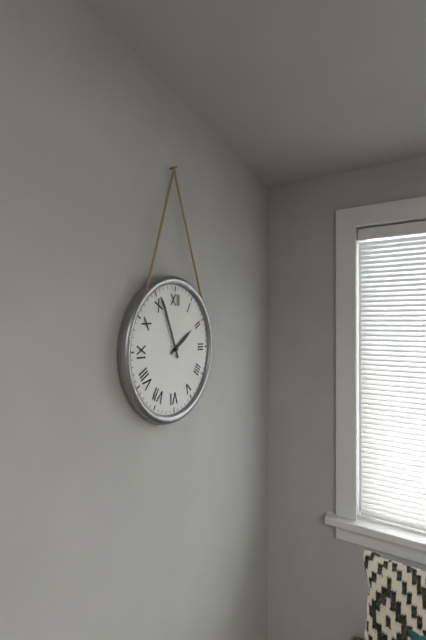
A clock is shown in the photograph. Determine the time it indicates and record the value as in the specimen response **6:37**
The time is **1:56**
